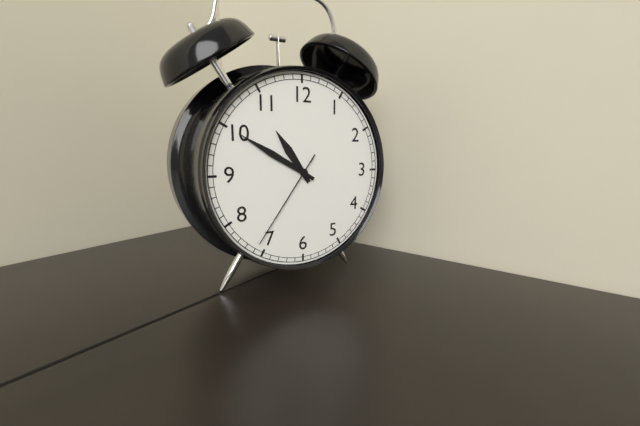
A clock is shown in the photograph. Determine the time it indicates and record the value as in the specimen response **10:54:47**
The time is **10:50:36**
